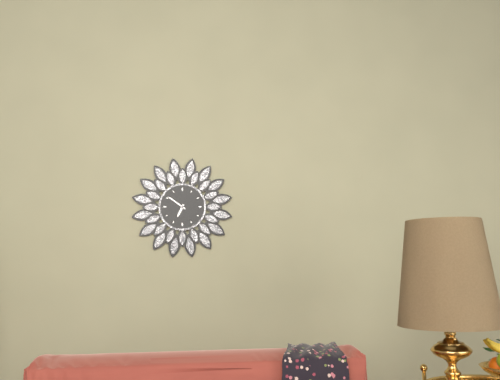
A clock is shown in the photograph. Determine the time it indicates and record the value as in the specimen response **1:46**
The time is **6:51**
